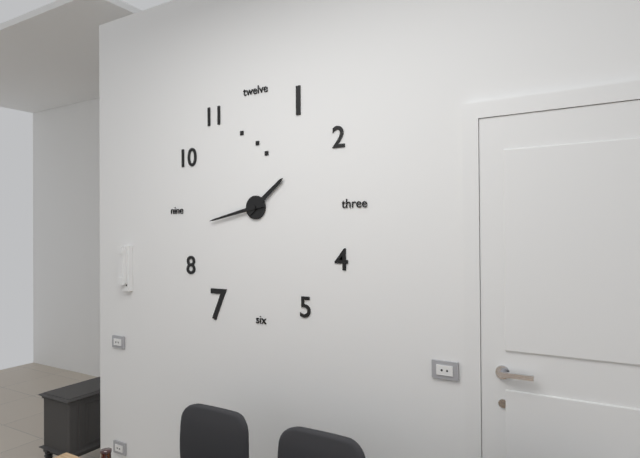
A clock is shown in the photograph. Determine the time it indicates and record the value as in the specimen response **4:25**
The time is **1:43**
